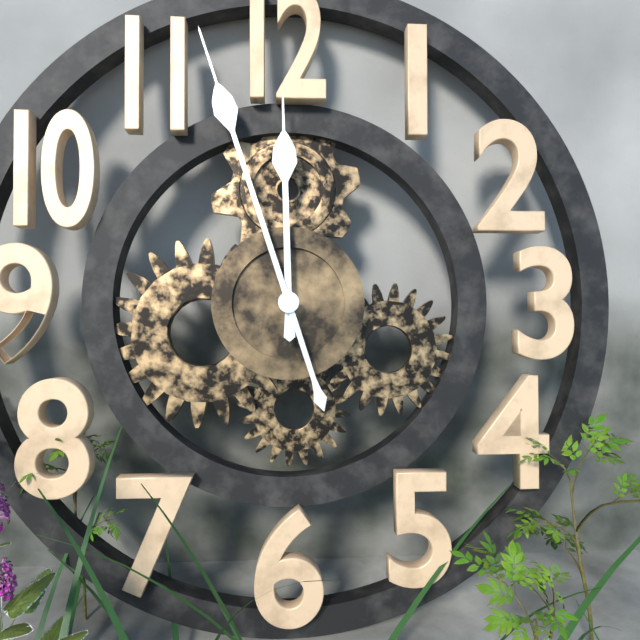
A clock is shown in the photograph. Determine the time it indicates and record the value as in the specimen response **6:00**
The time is **11:57**
